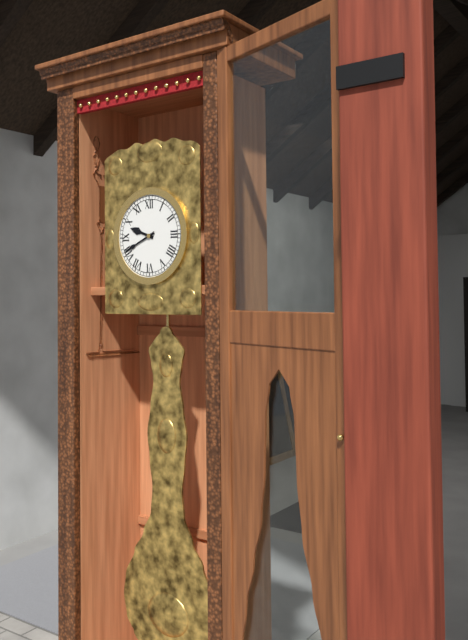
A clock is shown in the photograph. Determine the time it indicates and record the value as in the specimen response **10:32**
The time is **9:41**
